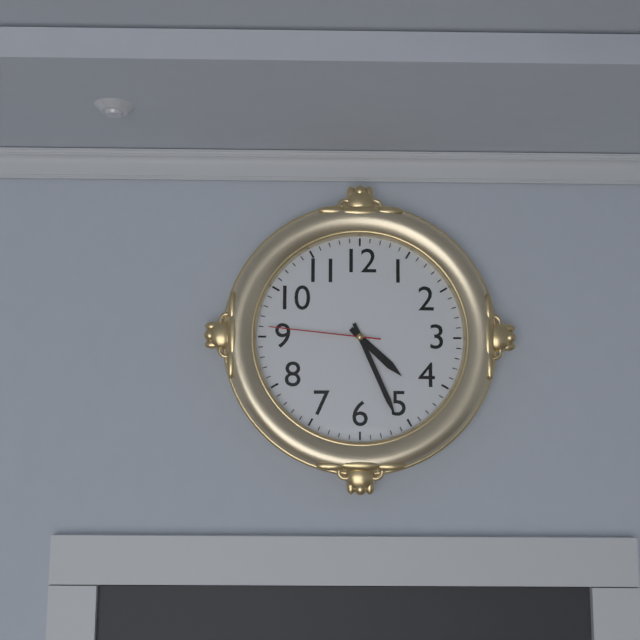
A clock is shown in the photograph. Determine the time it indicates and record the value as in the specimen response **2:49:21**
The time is **4:26:46**
